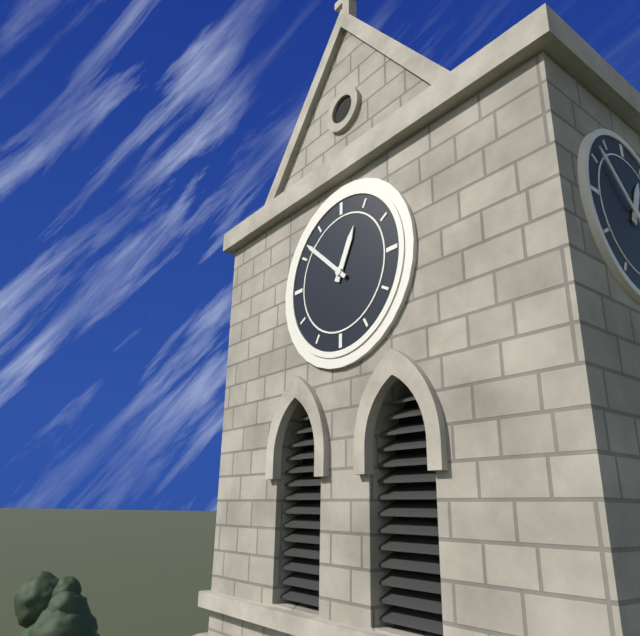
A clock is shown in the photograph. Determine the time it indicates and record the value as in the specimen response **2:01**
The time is **12:52**
